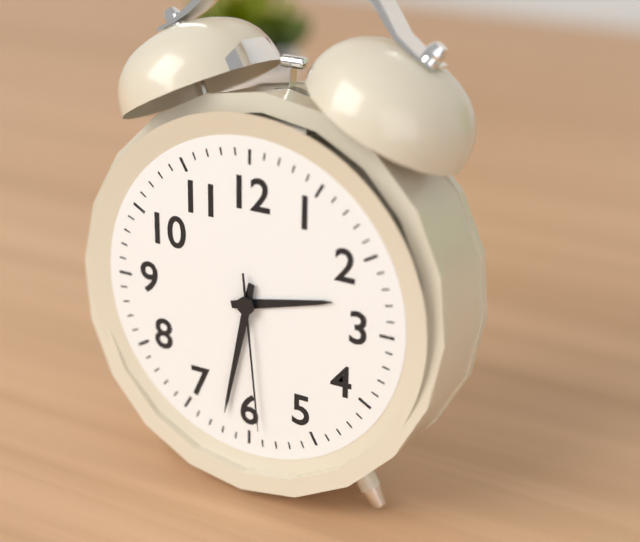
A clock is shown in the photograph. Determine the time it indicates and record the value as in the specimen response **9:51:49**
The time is **2:32:29**
